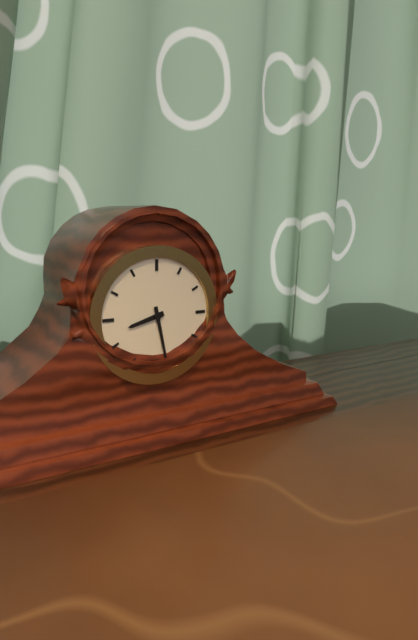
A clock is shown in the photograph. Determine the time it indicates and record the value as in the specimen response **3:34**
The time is **8:28**
